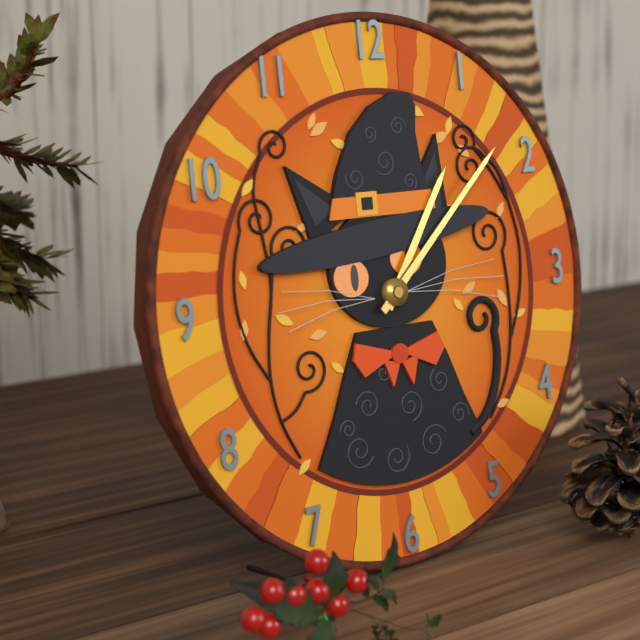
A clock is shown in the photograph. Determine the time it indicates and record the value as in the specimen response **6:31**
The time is **1:08**
